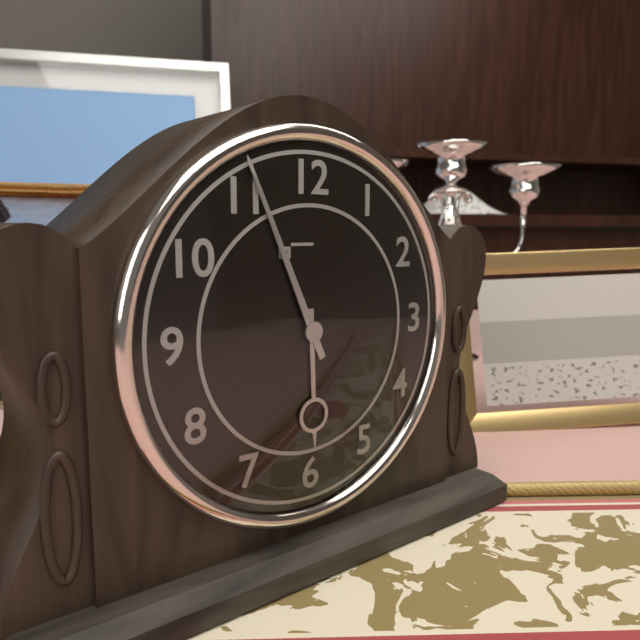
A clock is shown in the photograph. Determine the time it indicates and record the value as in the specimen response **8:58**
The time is **5:56**
